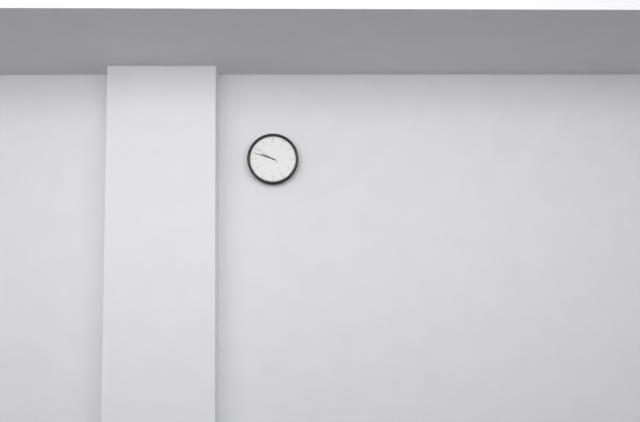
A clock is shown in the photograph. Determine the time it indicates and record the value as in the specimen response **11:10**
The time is **9:48**
